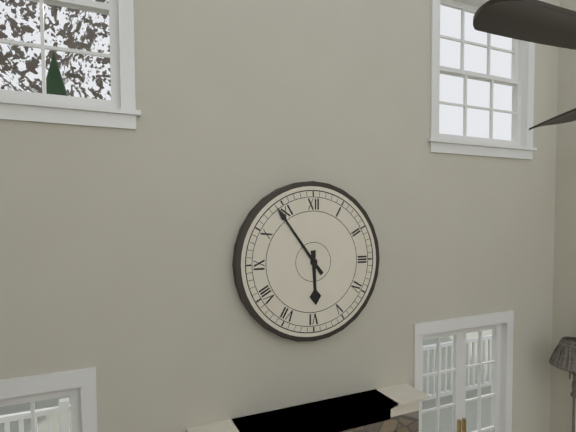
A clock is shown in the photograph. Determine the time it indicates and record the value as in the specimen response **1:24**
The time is **5:54**
